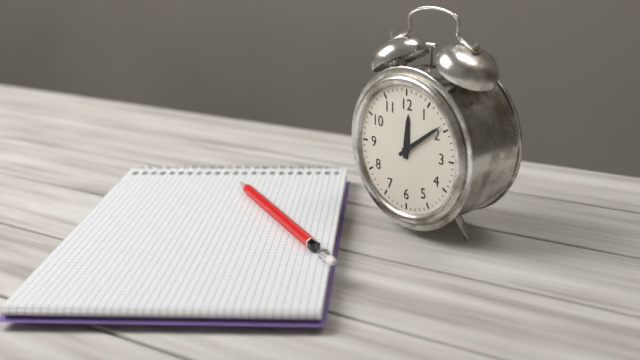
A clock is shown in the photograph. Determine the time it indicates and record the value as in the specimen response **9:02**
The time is **12:09**
